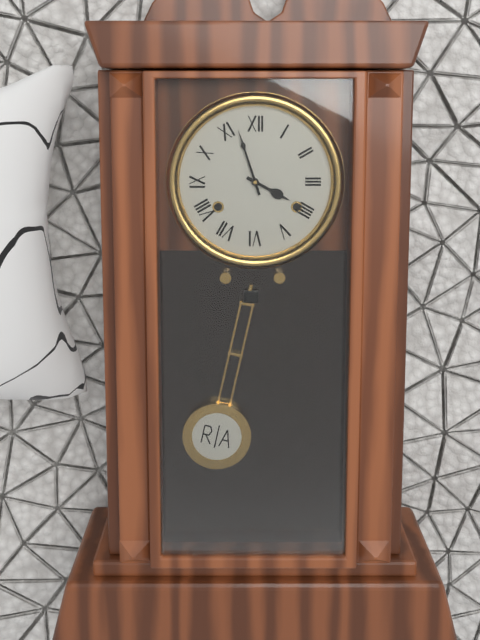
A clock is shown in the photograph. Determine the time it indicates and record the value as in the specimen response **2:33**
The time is **3:57**
